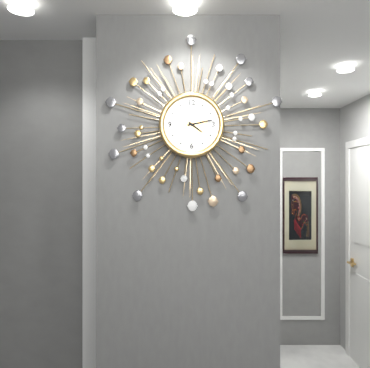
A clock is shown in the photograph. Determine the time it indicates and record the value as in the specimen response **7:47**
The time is **4:13**
